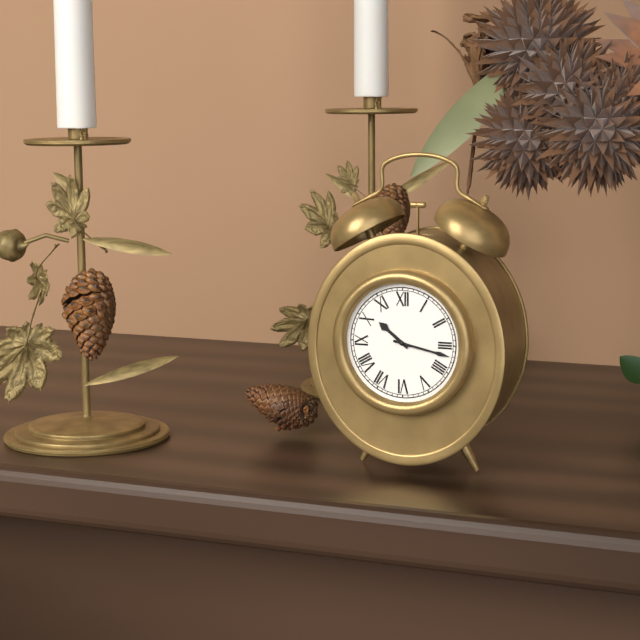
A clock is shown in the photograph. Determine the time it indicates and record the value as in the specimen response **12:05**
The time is **10:17**
